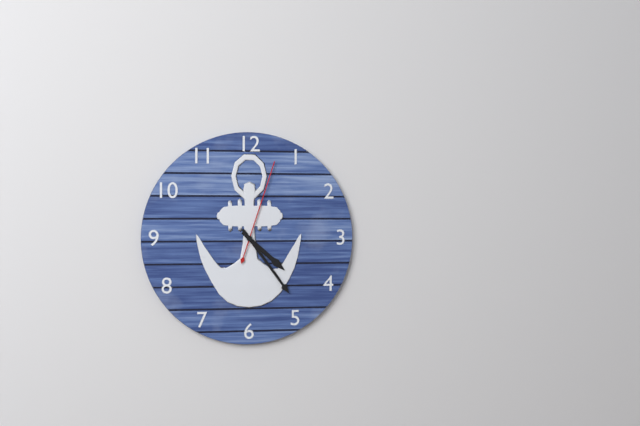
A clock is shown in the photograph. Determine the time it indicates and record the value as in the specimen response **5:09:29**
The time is **4:24:03**
